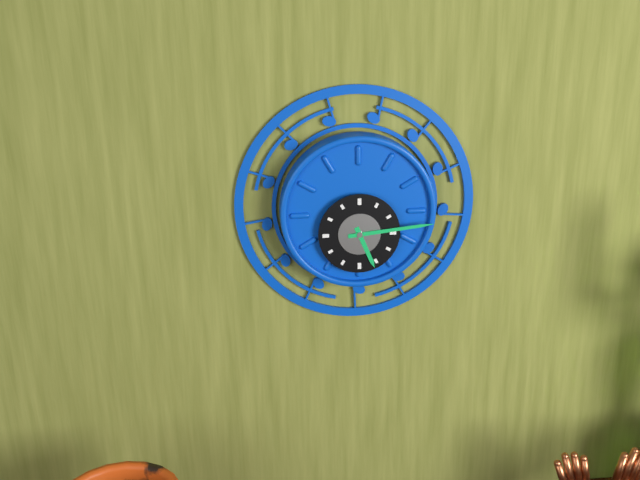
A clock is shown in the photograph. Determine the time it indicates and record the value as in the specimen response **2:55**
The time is **5:14**
